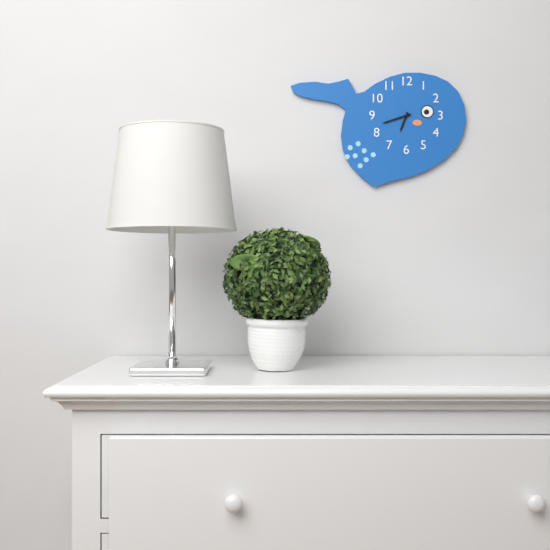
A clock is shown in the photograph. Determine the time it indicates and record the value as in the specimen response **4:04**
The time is **6:42**
